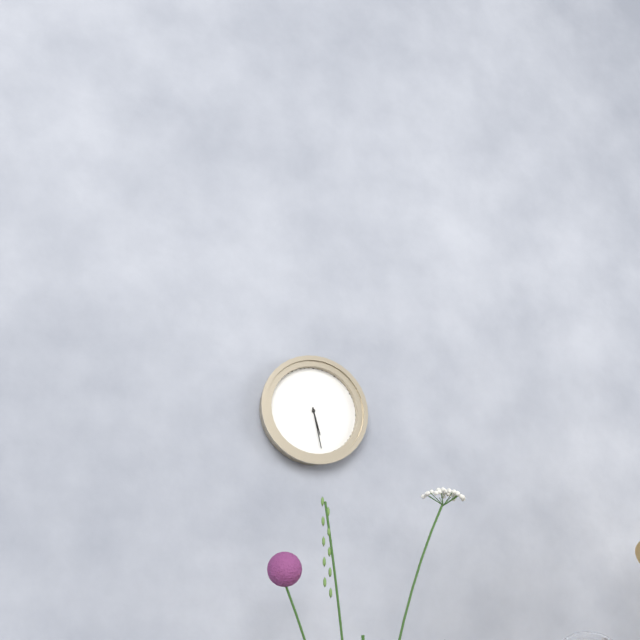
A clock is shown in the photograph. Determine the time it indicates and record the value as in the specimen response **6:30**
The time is **5:28**
